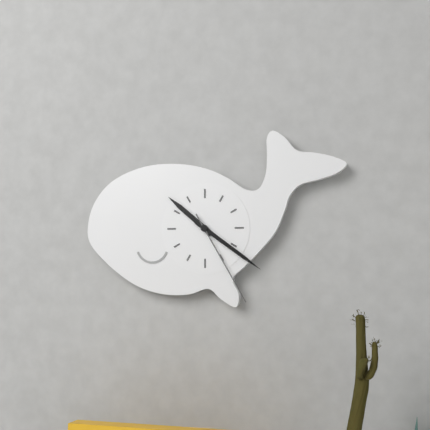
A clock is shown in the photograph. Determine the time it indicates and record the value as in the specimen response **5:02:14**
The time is **10:21:25**
